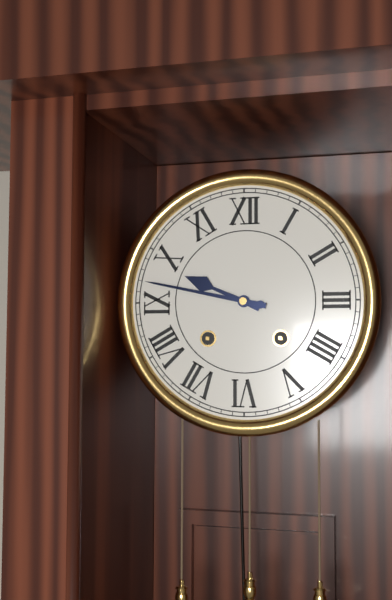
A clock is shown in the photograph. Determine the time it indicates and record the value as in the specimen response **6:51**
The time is **9:47**
